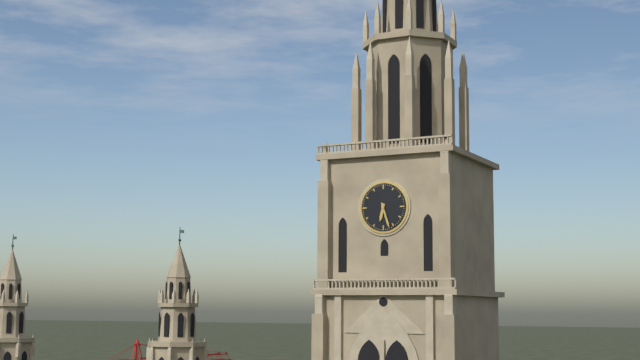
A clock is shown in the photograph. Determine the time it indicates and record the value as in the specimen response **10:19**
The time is **6:27**
